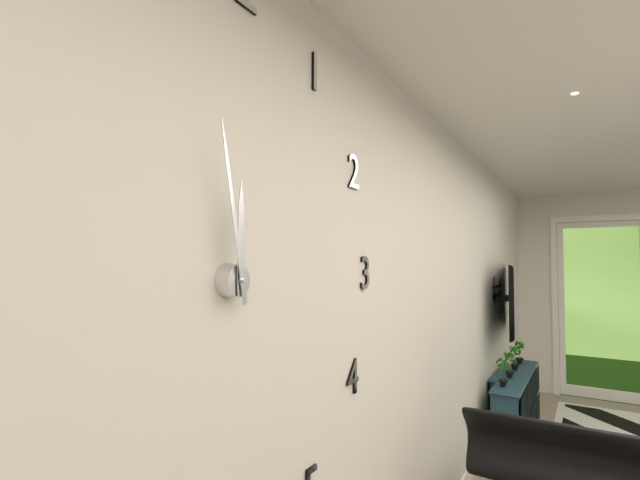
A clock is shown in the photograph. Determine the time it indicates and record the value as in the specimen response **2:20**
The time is **11:58**
